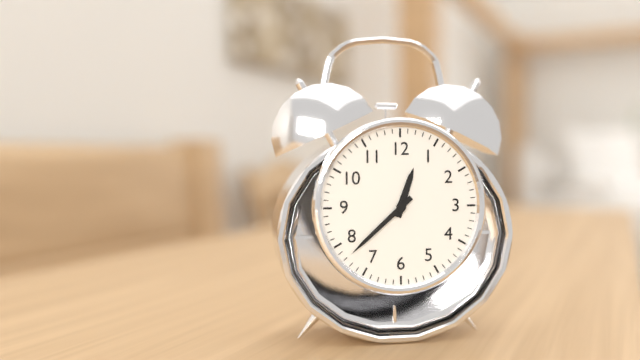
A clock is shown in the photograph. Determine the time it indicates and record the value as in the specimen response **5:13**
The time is **12:38**
